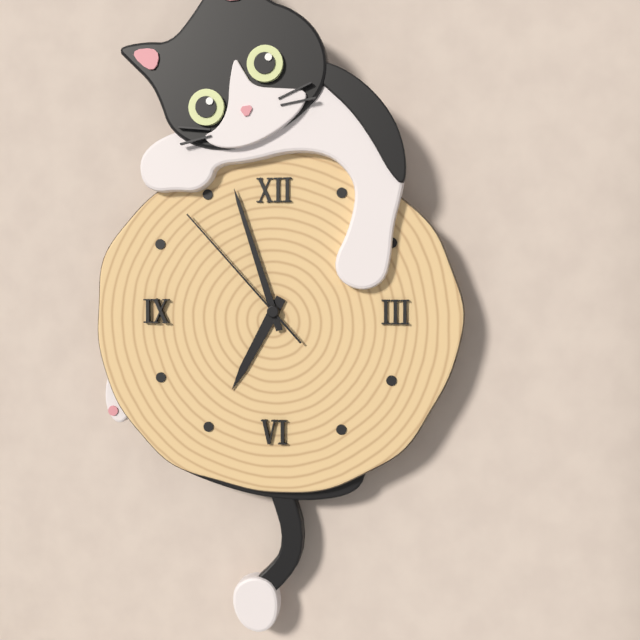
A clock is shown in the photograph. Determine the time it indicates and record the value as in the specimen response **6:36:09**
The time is **6:57:53**
